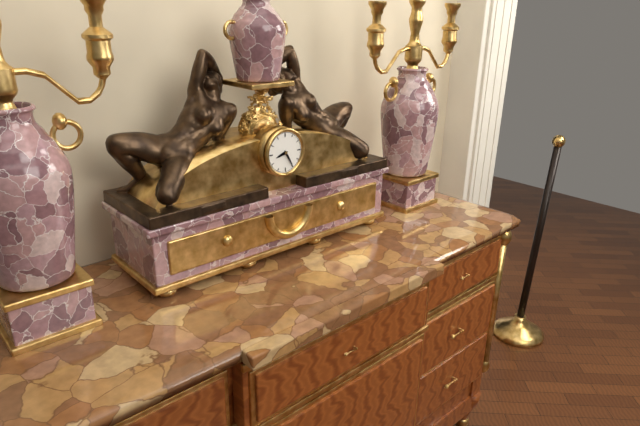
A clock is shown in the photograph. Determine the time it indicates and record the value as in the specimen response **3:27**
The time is **8:25**
